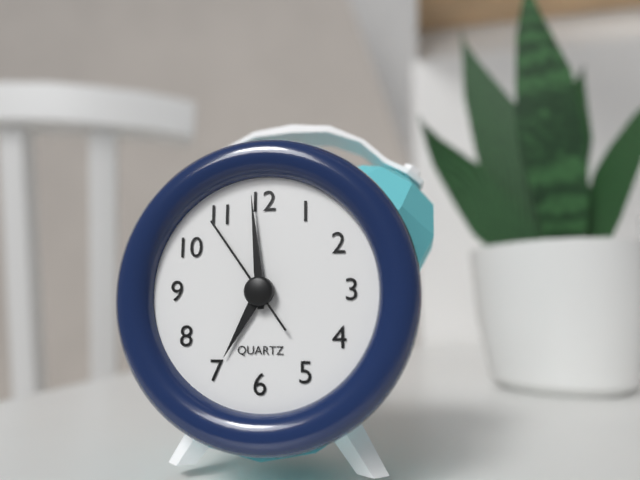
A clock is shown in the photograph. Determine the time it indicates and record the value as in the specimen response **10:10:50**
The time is **6:59:54**
